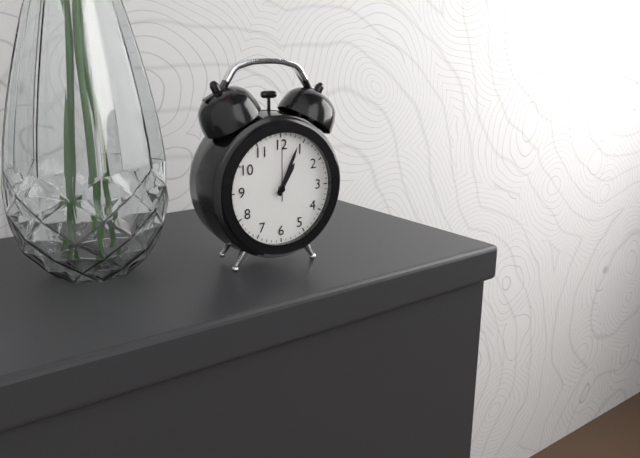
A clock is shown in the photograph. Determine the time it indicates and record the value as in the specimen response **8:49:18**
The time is **1:04:00**
